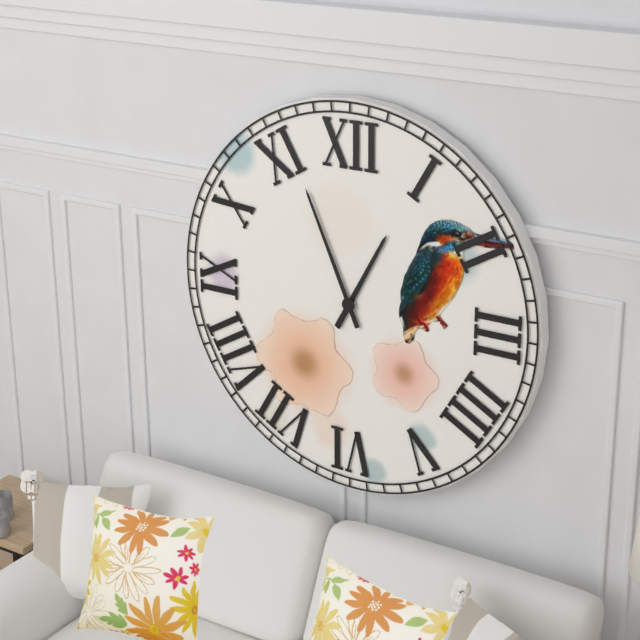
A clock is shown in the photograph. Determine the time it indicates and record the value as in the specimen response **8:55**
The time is **12:56**
